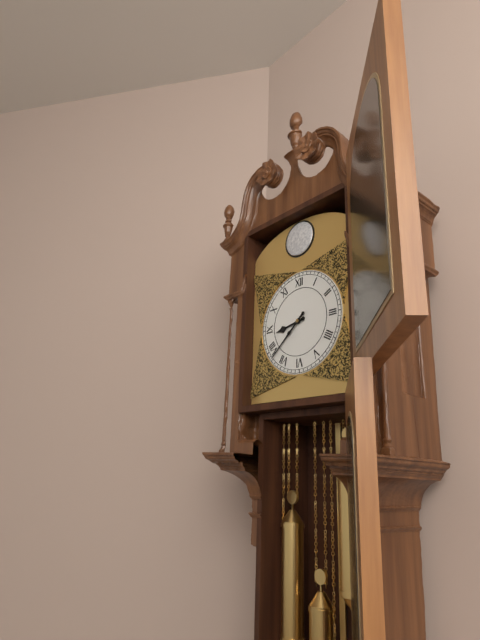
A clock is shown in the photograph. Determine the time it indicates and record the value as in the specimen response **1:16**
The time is **8:38**
